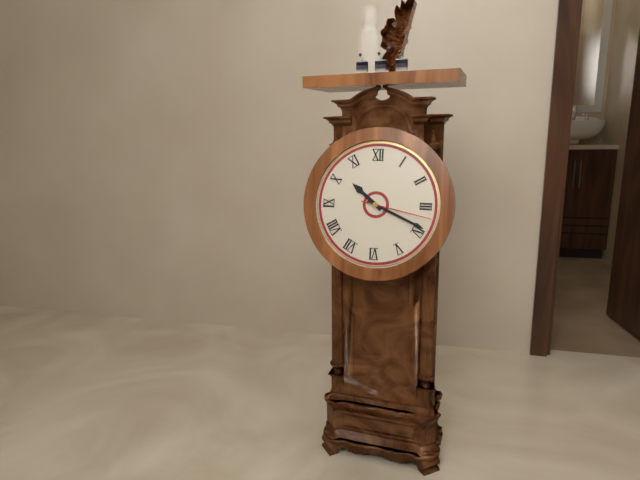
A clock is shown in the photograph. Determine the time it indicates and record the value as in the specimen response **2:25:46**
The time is **10:19:17**
